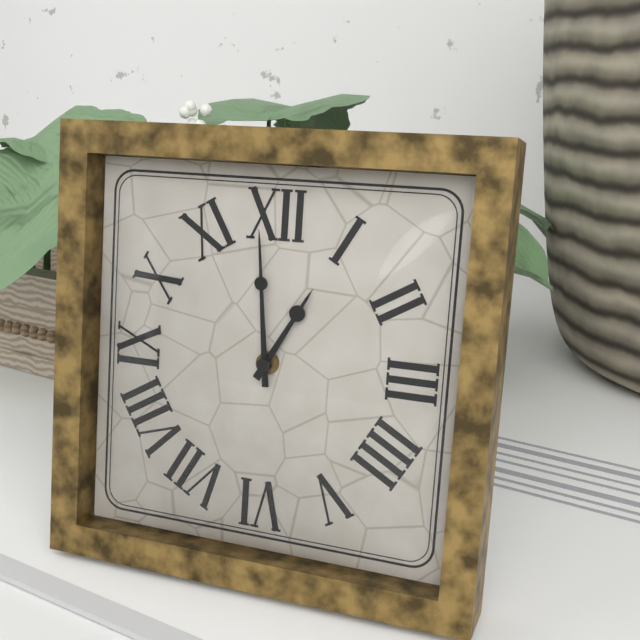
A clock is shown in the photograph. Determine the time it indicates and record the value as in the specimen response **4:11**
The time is **12:59**
